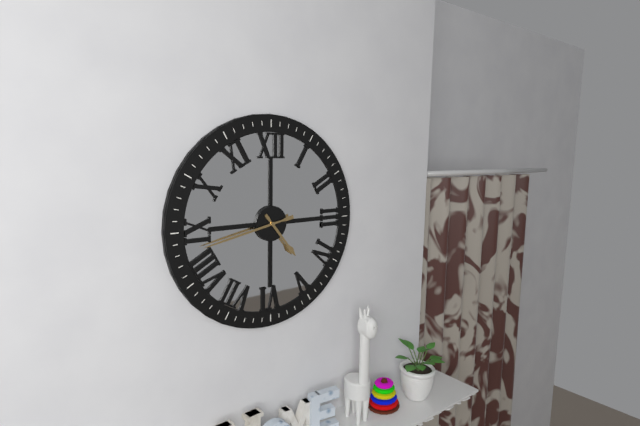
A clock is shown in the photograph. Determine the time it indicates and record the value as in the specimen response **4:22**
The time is **4:43**
